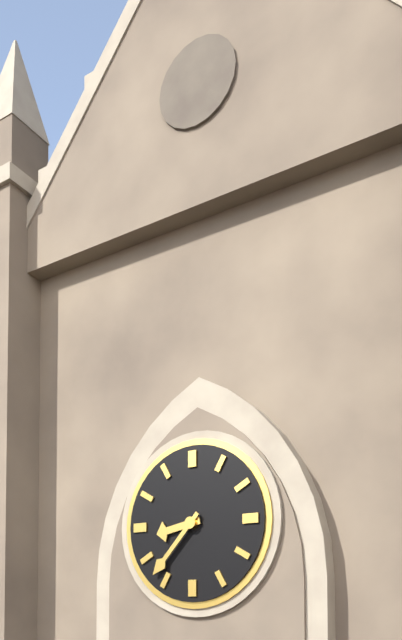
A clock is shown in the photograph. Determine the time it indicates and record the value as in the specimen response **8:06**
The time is **8:37**
